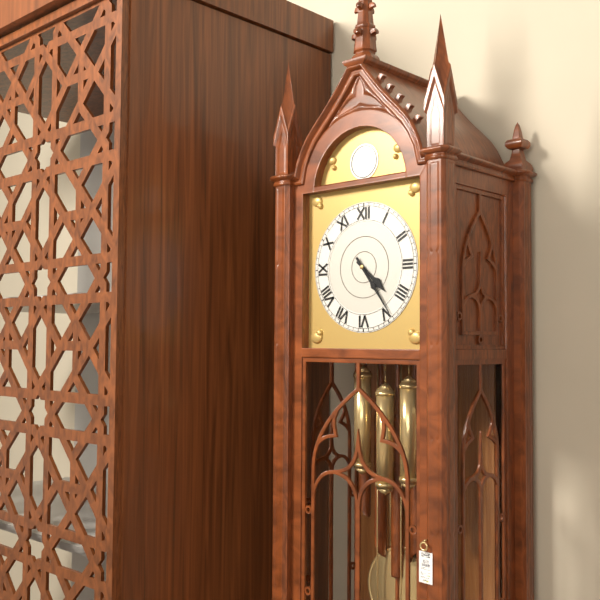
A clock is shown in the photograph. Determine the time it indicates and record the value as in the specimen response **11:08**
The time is **4:24**
